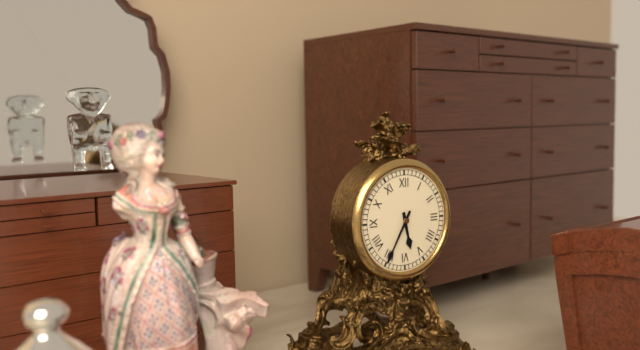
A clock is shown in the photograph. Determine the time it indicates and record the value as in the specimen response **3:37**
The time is **5:35**
